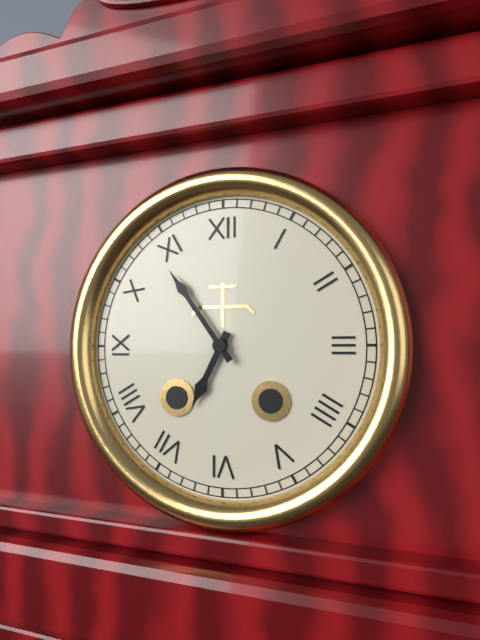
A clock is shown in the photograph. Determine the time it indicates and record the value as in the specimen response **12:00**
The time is **6:54**
